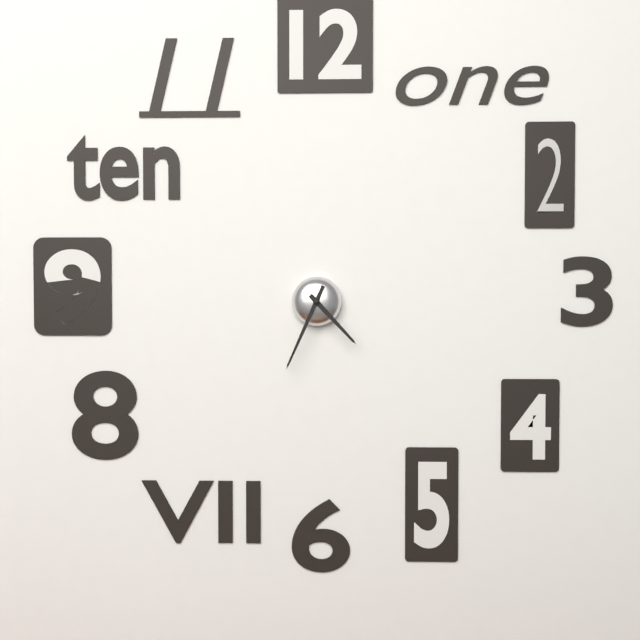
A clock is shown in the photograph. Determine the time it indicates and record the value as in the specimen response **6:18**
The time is **4:34**
